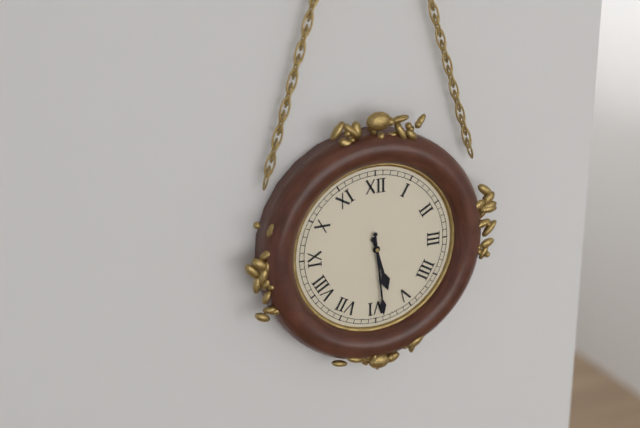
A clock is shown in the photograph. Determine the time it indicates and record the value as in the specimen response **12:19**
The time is **5:29**
